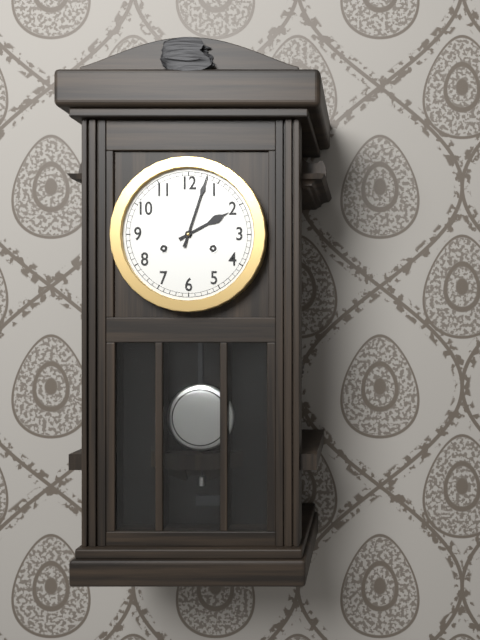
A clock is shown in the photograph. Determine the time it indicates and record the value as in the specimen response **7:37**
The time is **2:03**
